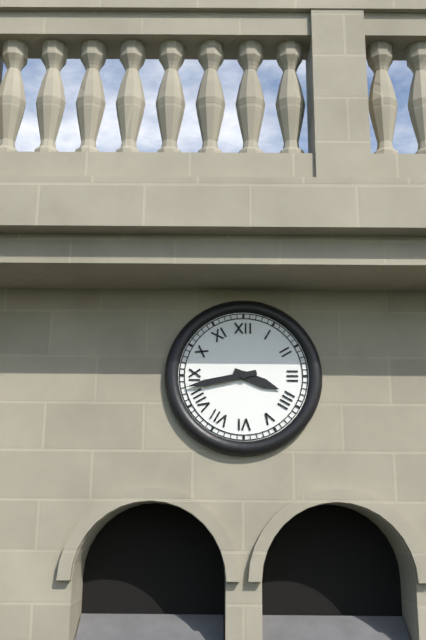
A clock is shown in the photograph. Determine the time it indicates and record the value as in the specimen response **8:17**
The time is **3:43**
